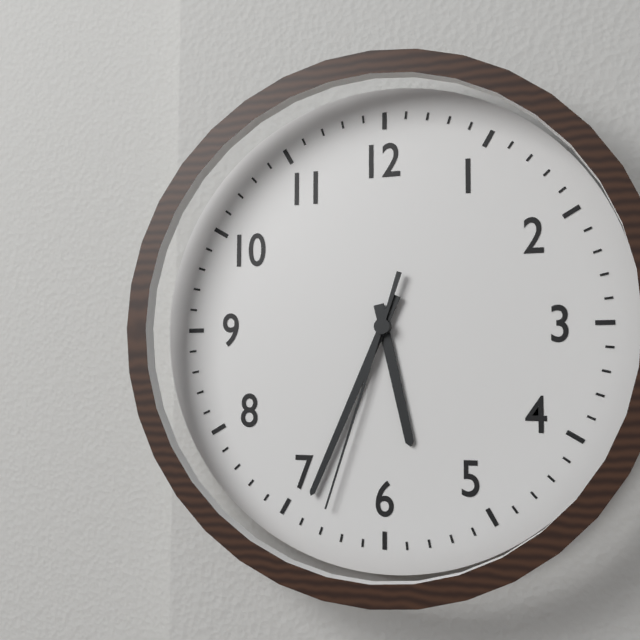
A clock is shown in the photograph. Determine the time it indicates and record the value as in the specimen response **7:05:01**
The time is **5:34:33**
